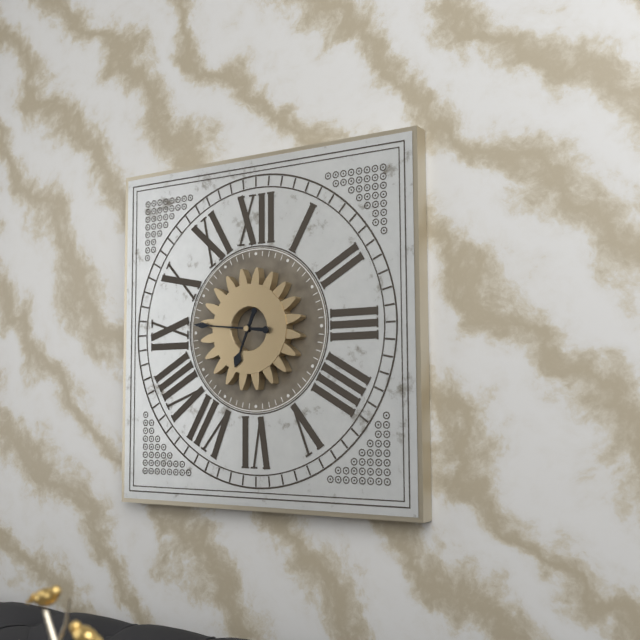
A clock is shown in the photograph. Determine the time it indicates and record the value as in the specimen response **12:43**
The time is **6:46**
